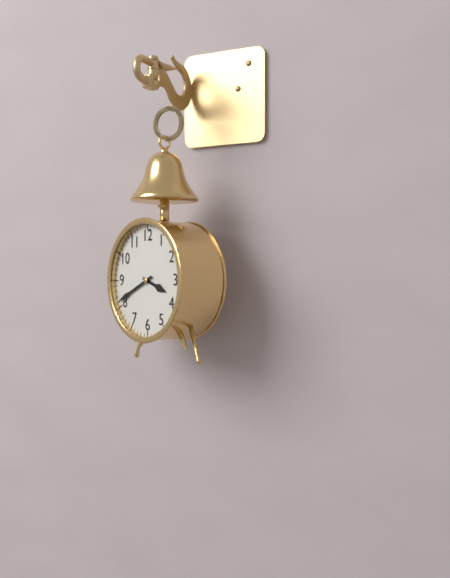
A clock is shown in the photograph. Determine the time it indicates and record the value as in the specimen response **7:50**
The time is **3:41**
